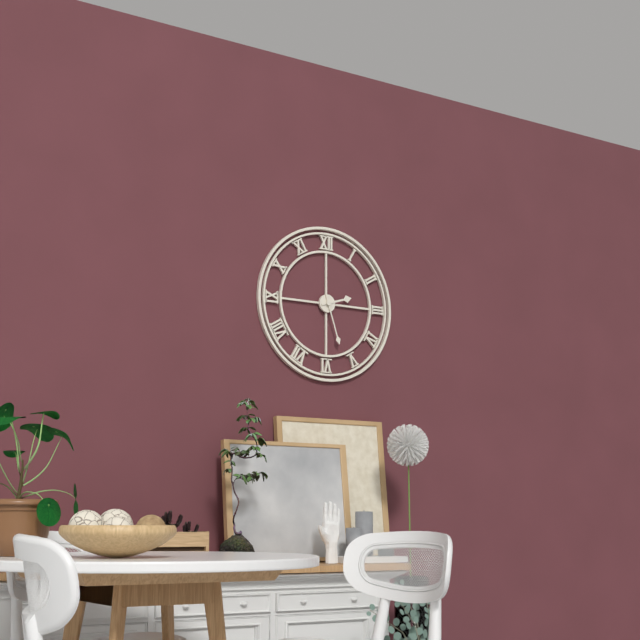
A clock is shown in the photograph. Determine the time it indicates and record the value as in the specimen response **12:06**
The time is **2:27**
